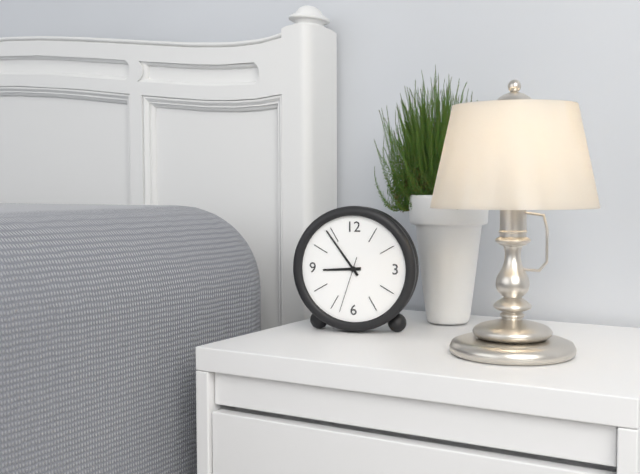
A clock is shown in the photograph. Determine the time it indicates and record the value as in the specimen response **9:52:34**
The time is **8:54:33**
